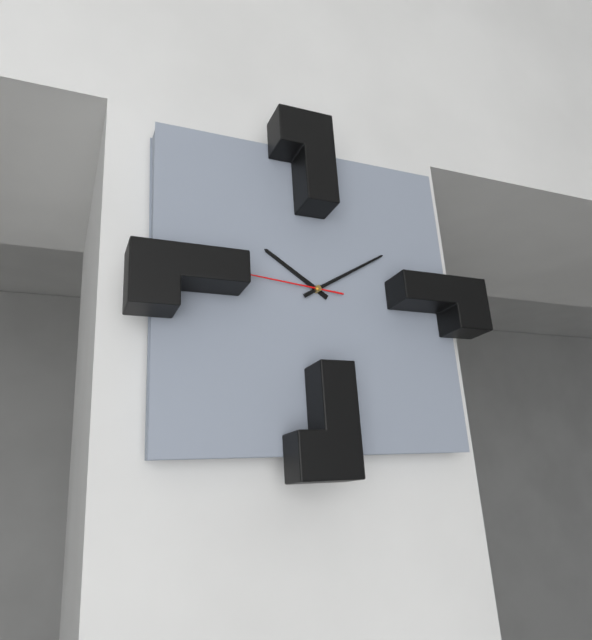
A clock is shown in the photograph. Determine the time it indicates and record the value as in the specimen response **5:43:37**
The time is **10:10:46**
